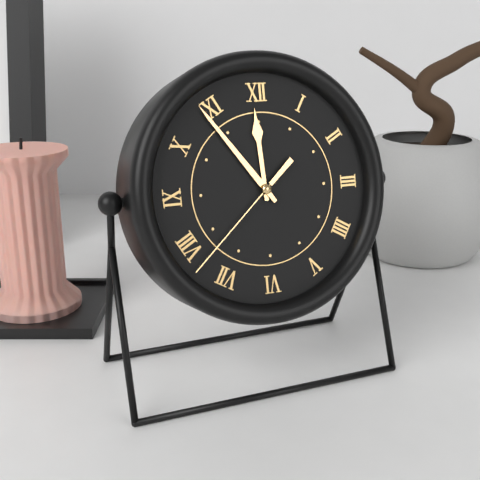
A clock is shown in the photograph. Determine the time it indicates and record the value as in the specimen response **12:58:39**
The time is **11:54:38**
